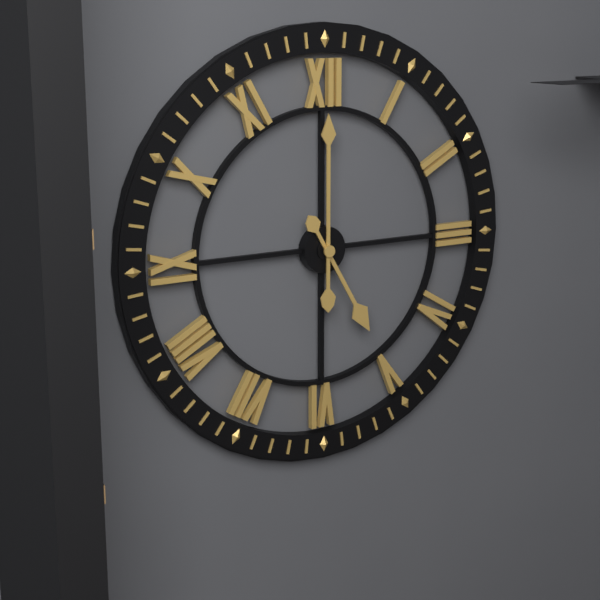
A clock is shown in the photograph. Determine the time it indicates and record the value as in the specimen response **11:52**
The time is **5:00**
